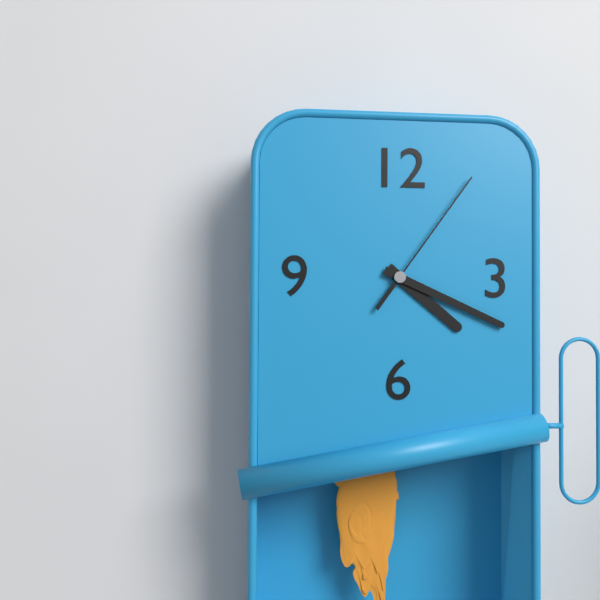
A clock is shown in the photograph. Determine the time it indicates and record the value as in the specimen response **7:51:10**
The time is **4:19:06**
